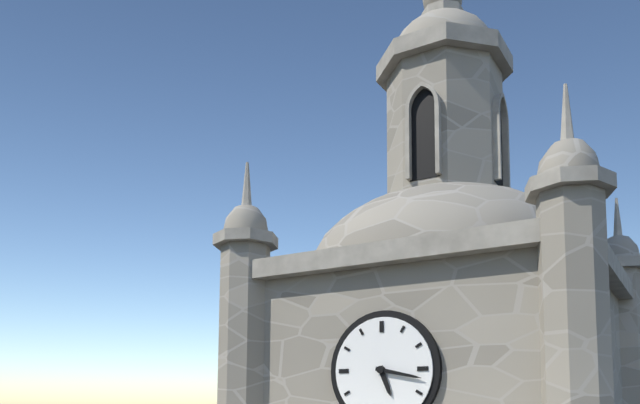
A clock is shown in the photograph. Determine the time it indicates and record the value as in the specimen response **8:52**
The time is **5:17**
